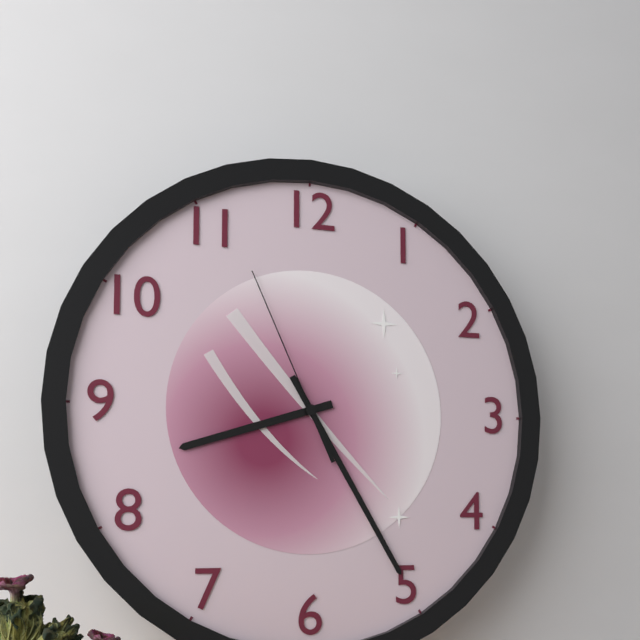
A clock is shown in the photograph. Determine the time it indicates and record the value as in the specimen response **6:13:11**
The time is **8:25:56**
